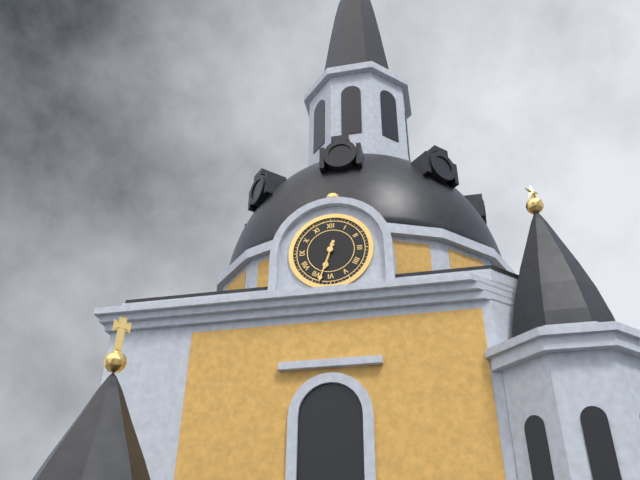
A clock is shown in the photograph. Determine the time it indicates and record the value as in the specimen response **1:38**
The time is **6:33**
